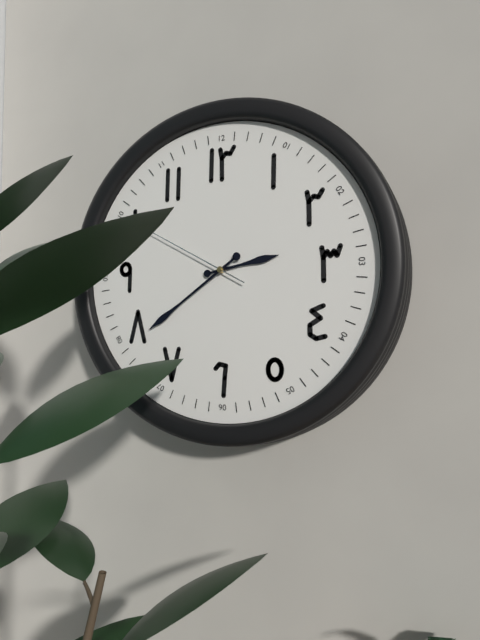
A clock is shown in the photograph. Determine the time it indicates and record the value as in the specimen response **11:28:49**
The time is **2:39:50**
